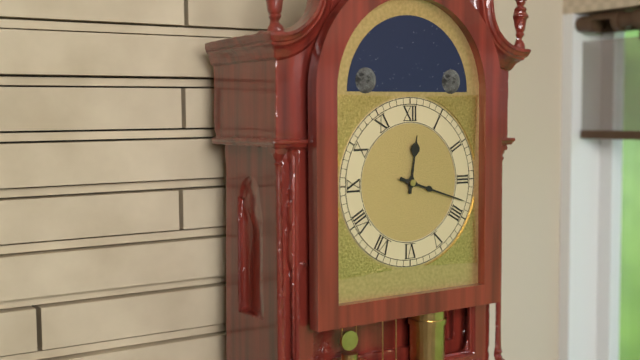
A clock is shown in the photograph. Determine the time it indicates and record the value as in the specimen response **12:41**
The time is **12:18**
